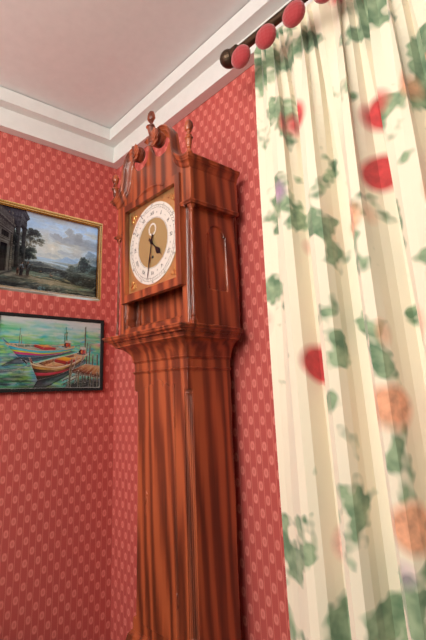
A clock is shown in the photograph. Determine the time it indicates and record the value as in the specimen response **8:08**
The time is **4:32**
